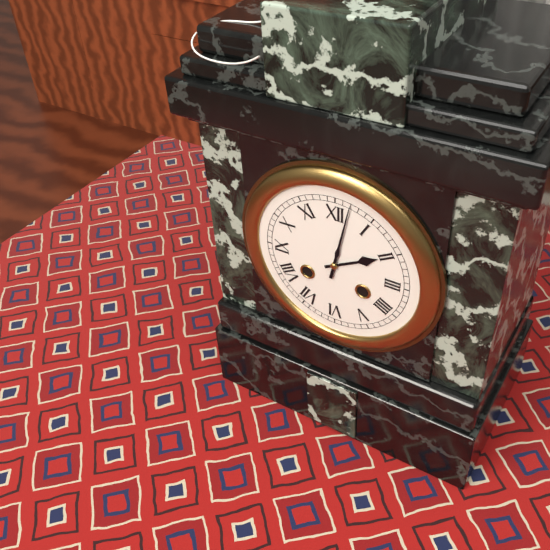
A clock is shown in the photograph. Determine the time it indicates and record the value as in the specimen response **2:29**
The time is **2:02**
